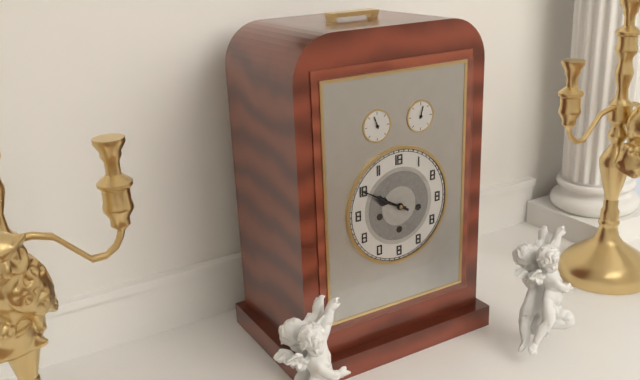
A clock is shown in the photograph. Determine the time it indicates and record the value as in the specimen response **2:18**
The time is **9:50**
